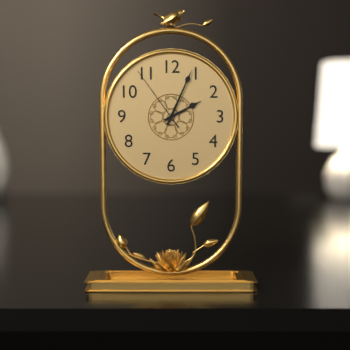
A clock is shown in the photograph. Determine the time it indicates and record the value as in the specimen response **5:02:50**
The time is **2:04:54**
